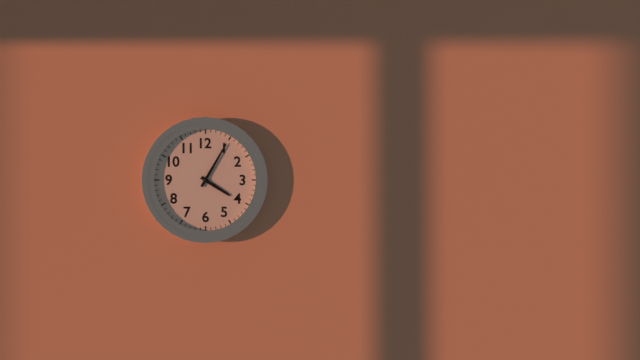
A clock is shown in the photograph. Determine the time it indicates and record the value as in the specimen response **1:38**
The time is **4:05**
